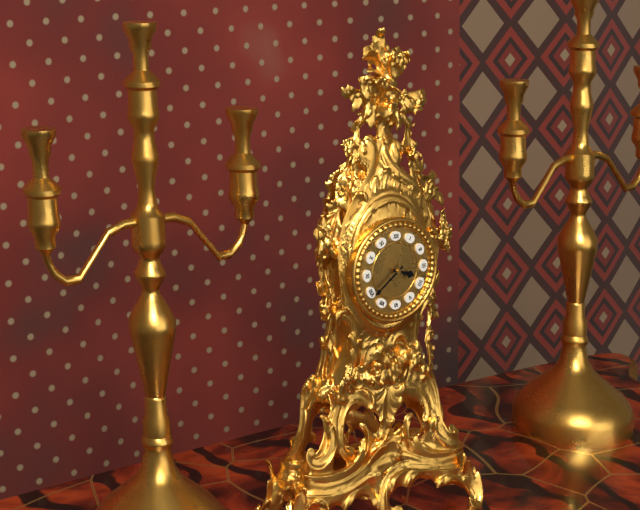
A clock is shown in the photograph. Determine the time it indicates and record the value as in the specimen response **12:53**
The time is **3:39**
